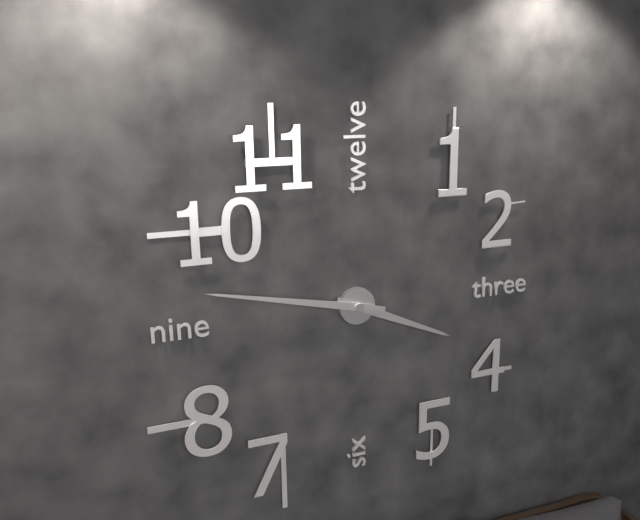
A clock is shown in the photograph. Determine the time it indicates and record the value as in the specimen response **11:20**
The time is **3:47**
